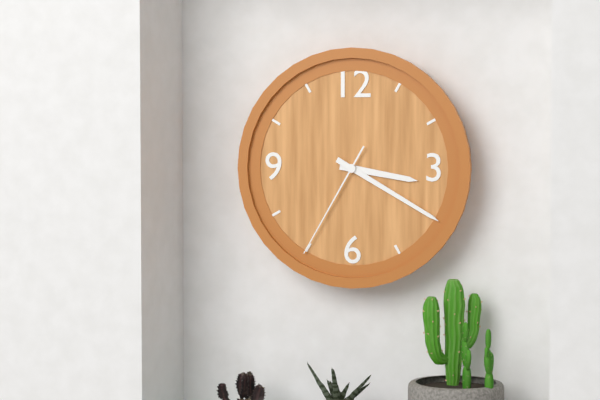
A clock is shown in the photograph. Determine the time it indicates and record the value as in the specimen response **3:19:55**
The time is **3:20:35**
